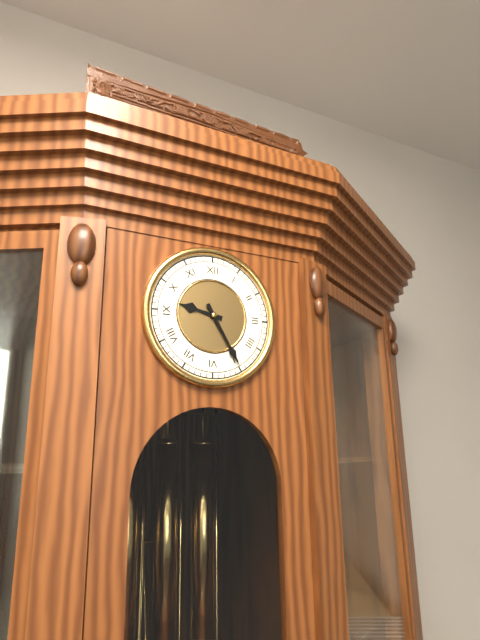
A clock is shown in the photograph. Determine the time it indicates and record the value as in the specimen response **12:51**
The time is **9:25**
